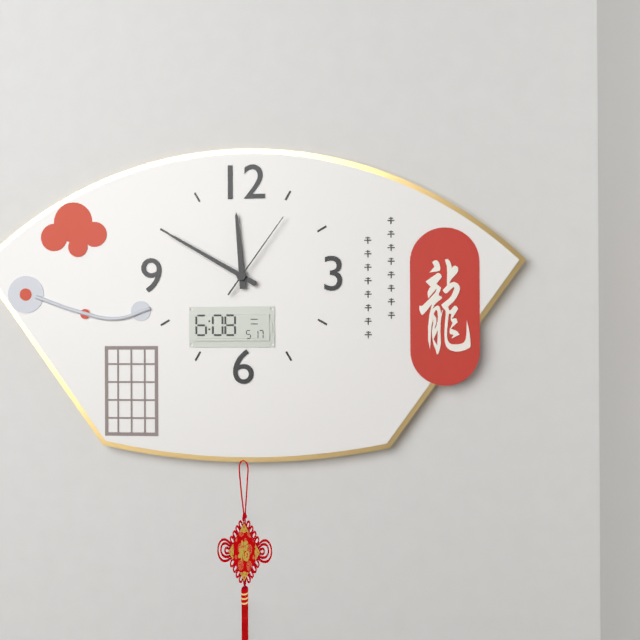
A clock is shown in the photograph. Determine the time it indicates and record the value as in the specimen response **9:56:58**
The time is **11:50:06**
